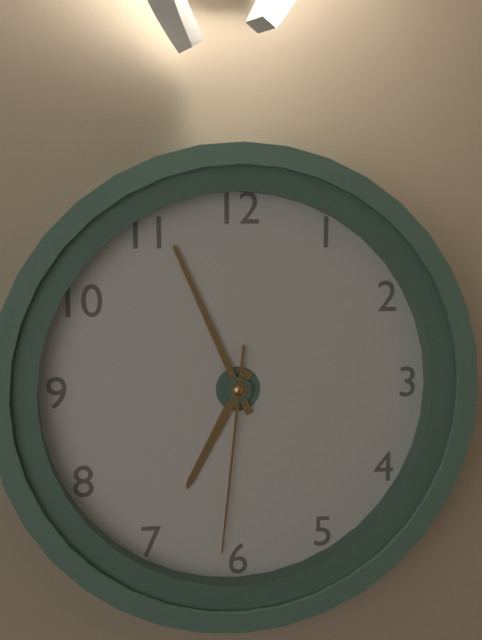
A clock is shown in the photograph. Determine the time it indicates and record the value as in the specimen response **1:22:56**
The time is **6:56:31**
